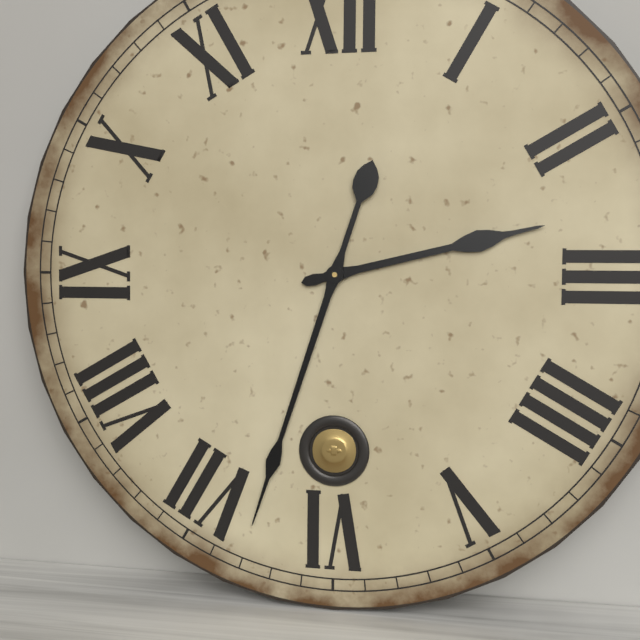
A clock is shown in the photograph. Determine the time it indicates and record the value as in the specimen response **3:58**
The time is **2:33**
